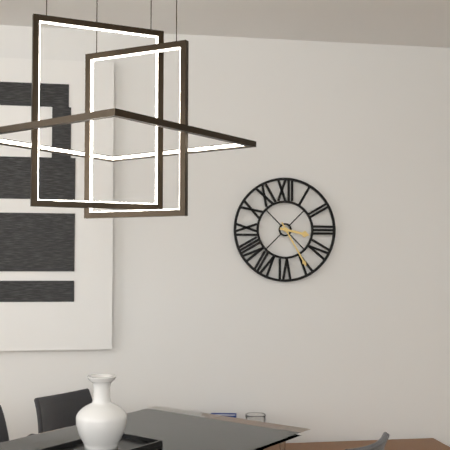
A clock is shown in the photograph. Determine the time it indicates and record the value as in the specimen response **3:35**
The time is **3:25**
